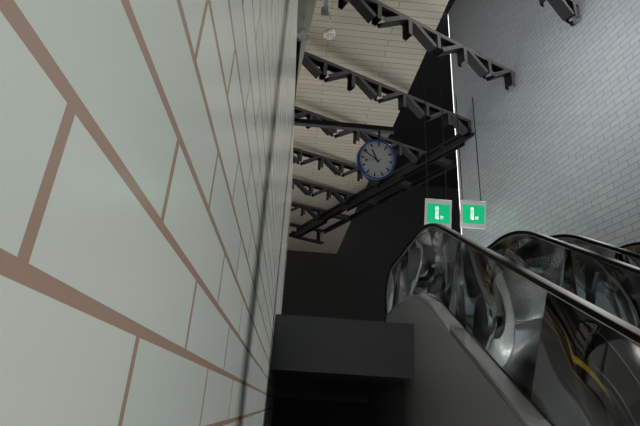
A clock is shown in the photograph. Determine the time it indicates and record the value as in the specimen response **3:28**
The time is **10:49**
